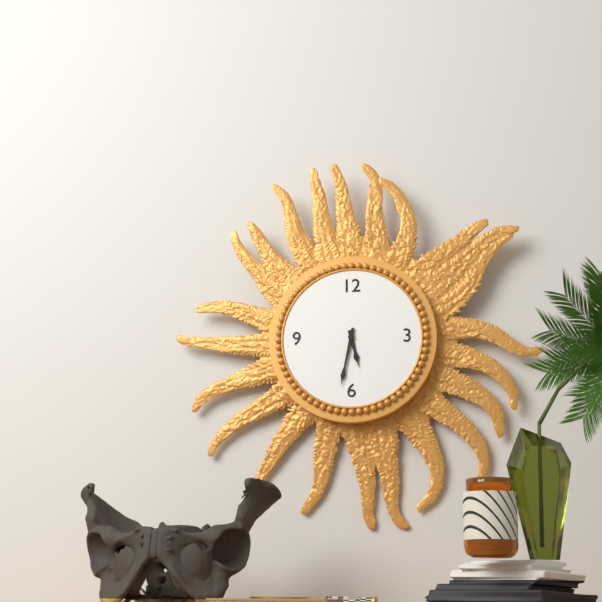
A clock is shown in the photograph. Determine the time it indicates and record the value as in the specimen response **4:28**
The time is **5:32**
